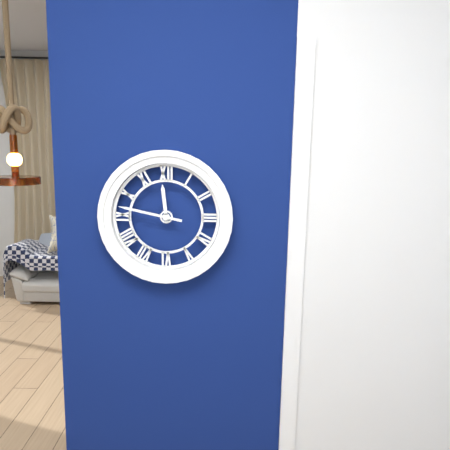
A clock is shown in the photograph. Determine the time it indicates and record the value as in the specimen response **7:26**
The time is **11:47**
